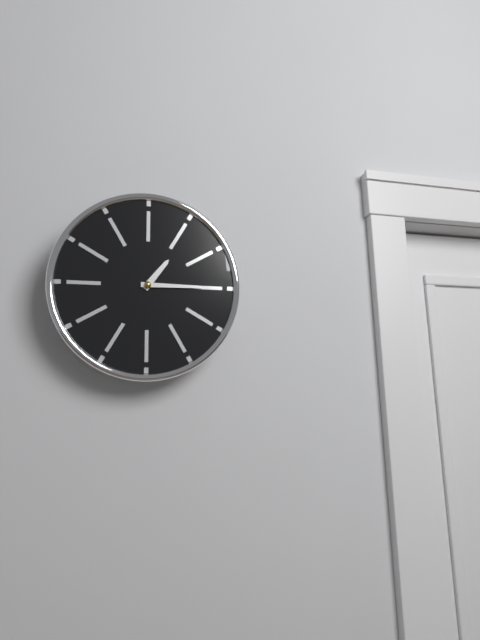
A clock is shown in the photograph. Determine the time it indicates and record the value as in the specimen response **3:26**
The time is **1:15**
